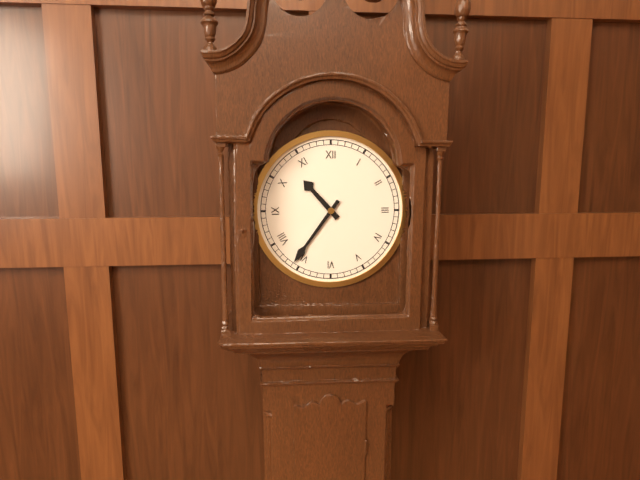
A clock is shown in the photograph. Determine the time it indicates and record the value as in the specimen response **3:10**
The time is **10:36**
